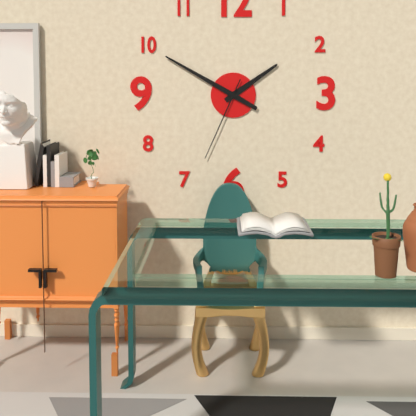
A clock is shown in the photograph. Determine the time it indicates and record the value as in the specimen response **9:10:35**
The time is **1:50:34**
